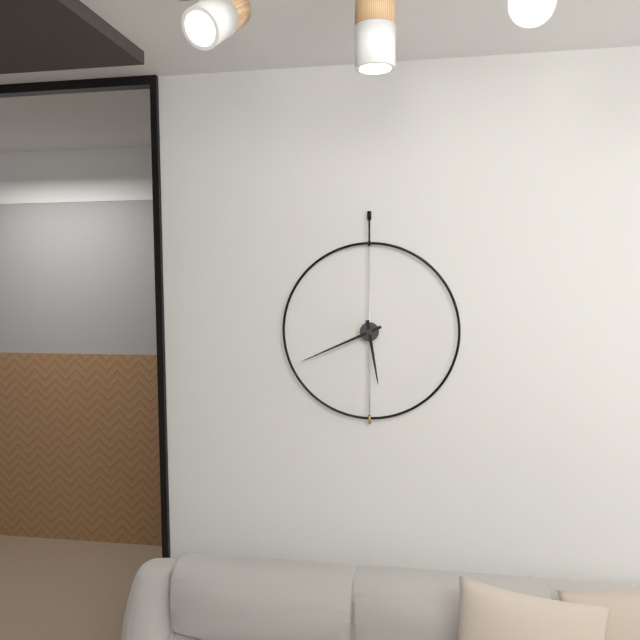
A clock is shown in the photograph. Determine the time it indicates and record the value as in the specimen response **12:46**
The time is **5:41**
